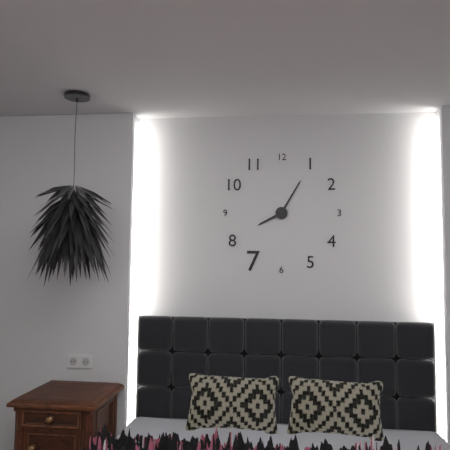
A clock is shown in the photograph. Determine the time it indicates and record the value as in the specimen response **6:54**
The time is **8:05**
